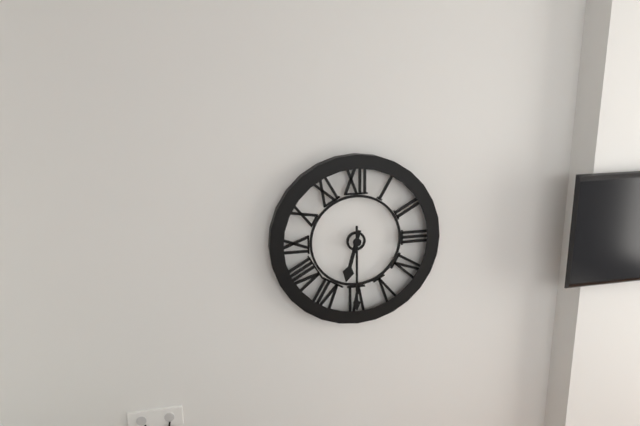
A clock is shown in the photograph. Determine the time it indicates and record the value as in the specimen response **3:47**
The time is **6:30**
